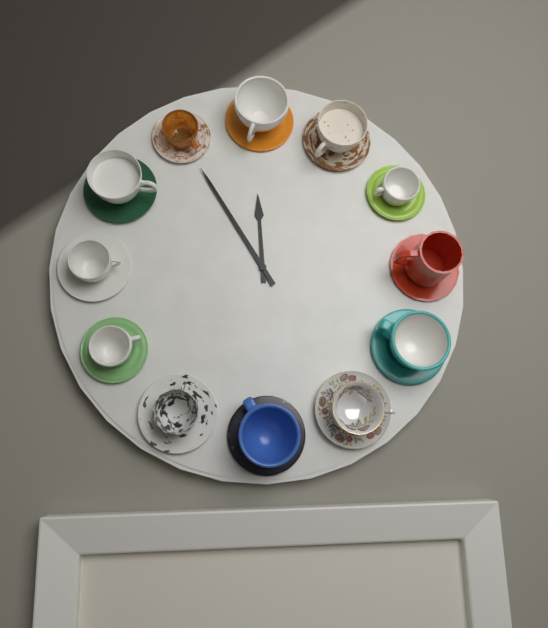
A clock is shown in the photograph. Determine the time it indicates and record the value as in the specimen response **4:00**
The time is **11:55**
